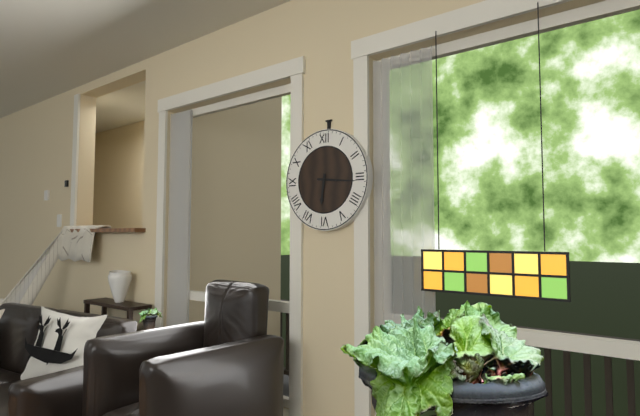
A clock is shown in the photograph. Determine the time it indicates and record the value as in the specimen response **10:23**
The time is **6:16**
